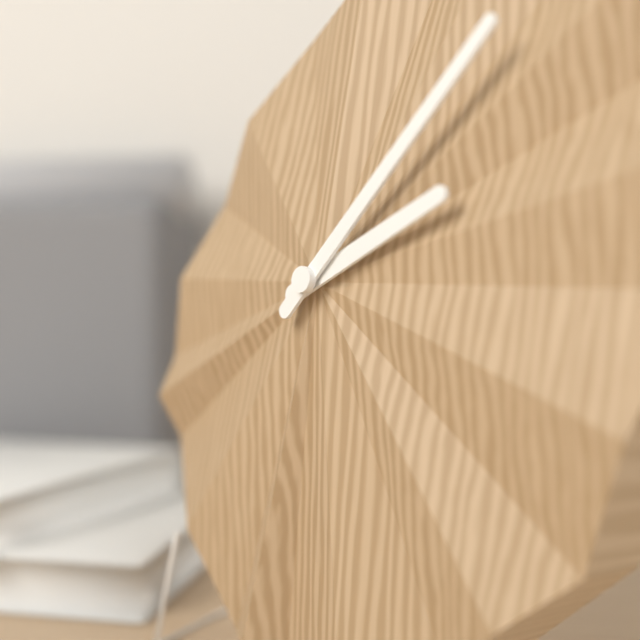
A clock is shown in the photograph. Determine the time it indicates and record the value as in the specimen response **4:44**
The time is **2:07**
